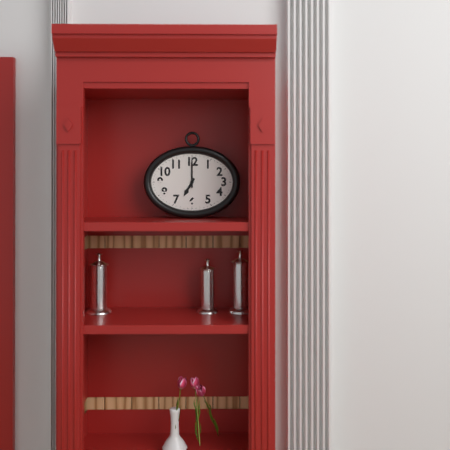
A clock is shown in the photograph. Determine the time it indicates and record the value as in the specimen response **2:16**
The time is **7:00**
